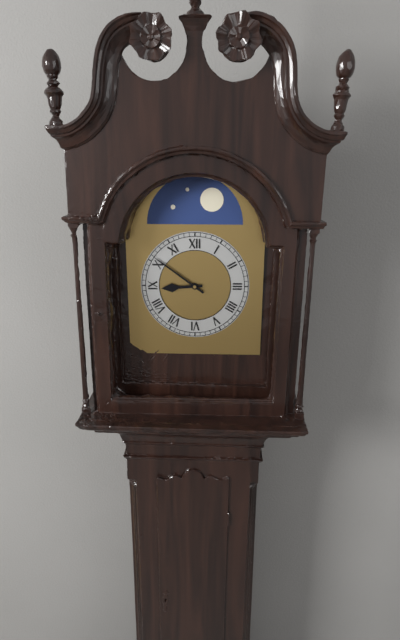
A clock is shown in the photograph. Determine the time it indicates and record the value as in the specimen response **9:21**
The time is **8:51**
